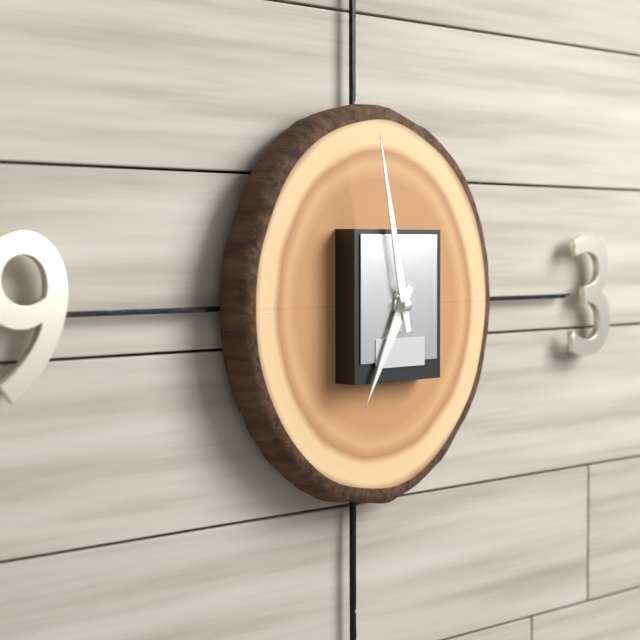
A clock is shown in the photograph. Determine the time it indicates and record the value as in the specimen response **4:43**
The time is **6:58**
